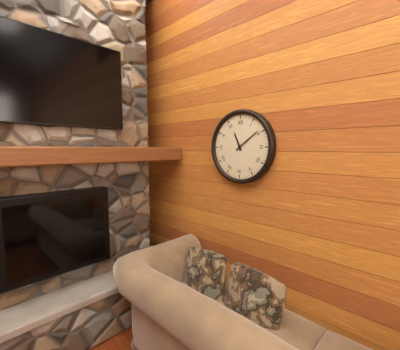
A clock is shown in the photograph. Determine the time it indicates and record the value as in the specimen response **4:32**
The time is **11:09**
